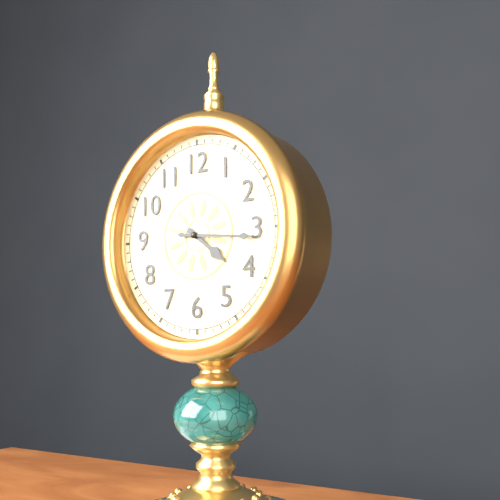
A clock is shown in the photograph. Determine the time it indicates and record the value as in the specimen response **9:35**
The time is **4:16**
